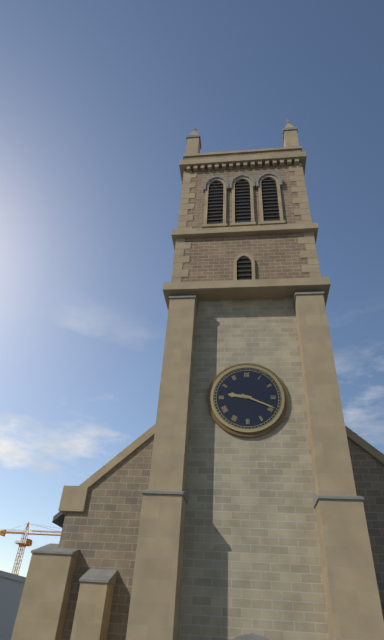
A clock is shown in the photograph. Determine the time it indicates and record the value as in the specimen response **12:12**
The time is **9:19**
